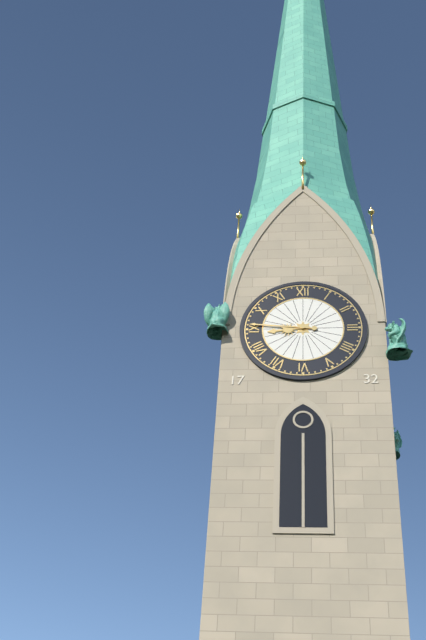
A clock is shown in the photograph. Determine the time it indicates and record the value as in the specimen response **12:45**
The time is **8:46**
